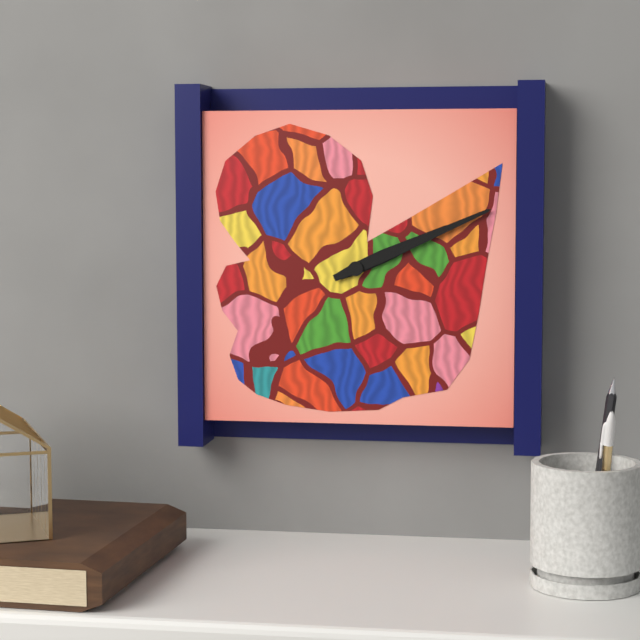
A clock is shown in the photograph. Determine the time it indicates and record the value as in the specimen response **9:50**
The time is **2:11**
